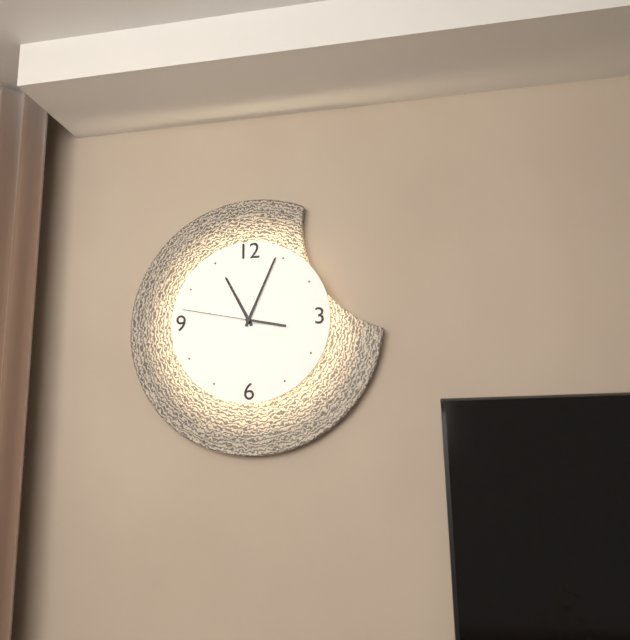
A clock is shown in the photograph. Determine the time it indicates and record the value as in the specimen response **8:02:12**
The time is **11:04:47**
